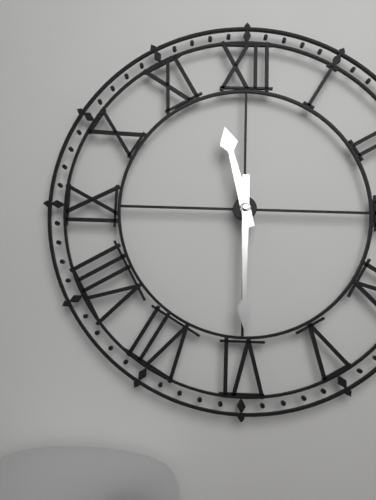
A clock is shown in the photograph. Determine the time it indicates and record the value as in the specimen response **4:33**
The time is **11:30**
